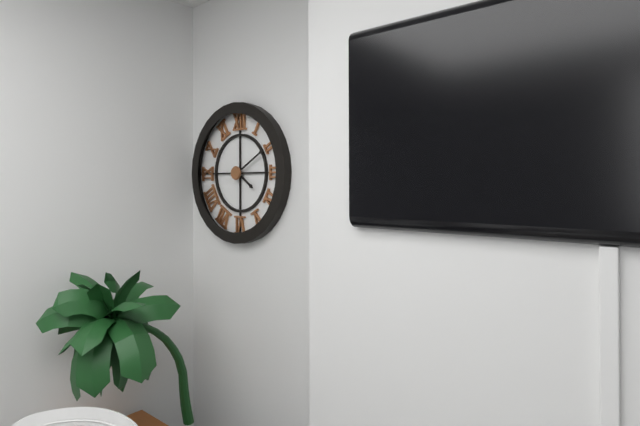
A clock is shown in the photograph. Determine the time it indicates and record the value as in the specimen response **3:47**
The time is **4:10**
